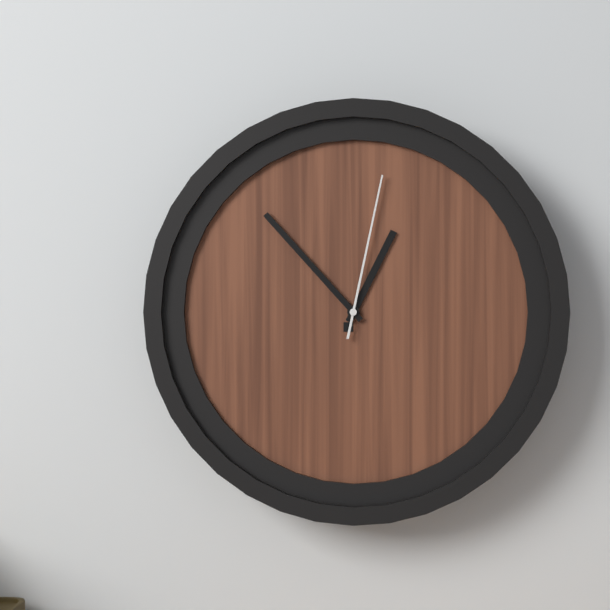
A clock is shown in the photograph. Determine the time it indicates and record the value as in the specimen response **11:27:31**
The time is **12:53:02**
